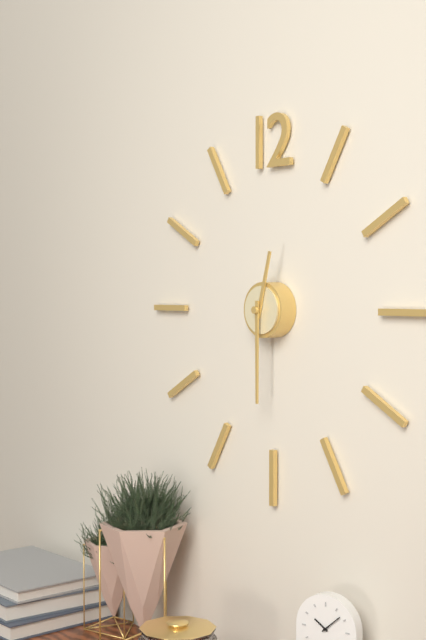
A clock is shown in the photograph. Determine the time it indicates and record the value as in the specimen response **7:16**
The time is **12:30**
